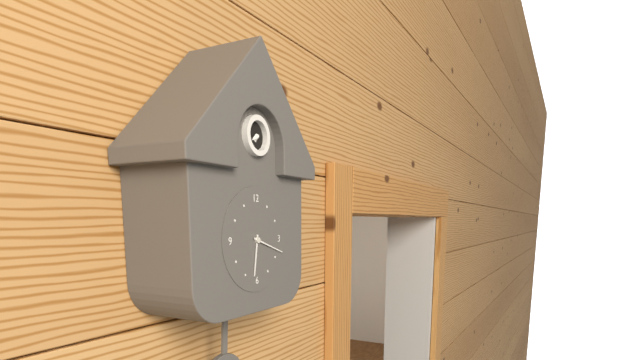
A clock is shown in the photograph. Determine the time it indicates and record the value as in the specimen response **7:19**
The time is **6:18**
